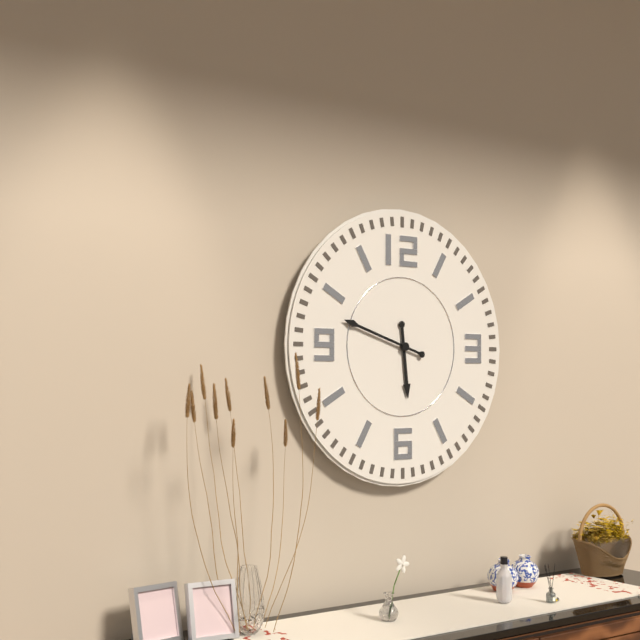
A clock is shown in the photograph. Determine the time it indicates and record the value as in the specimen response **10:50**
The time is **5:48**
